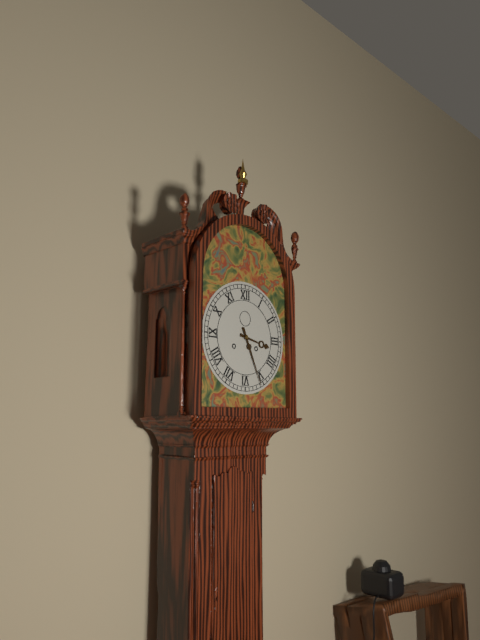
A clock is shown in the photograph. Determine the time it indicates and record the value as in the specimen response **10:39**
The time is **3:26**
